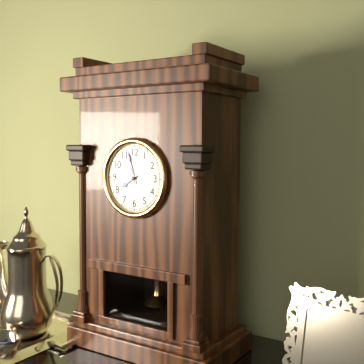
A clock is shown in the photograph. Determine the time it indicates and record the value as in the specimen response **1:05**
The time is **7:57**
